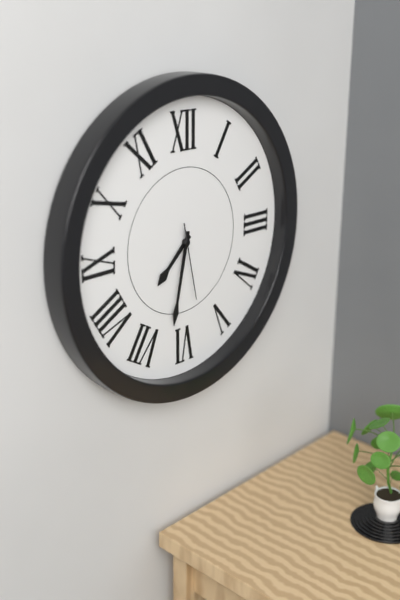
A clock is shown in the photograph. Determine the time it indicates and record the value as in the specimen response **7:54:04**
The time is **7:32:28**
